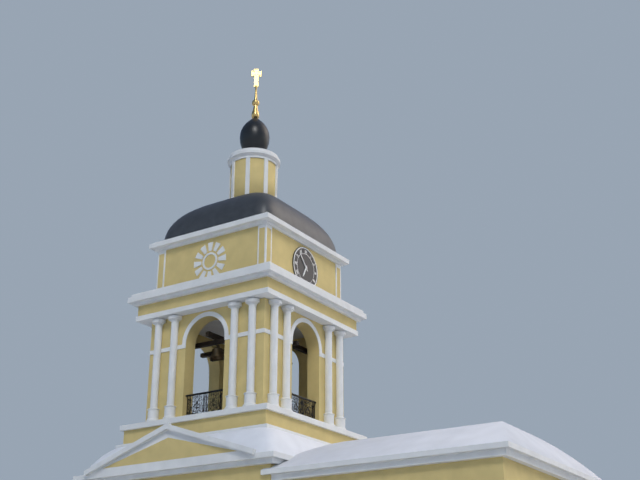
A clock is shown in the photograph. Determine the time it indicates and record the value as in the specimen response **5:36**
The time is **6:53**
